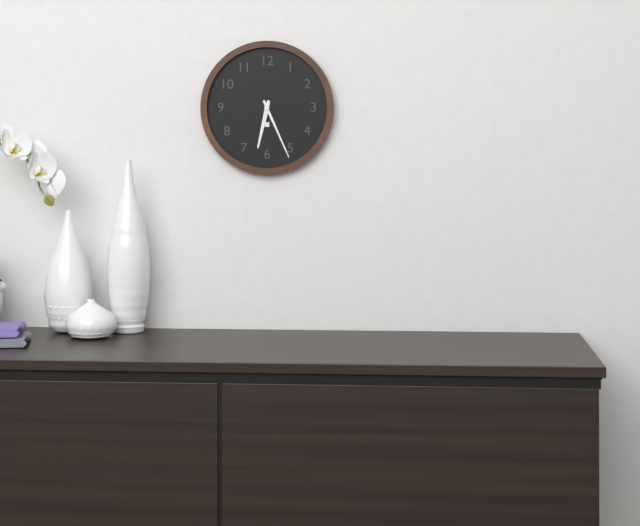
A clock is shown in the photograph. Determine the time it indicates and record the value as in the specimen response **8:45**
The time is **6:26**
